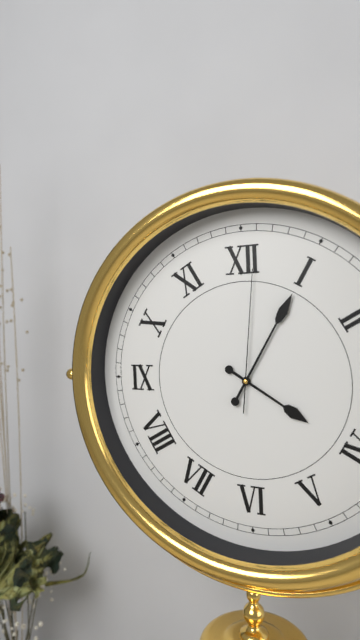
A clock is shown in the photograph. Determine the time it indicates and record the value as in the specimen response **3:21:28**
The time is **4:05:01**
